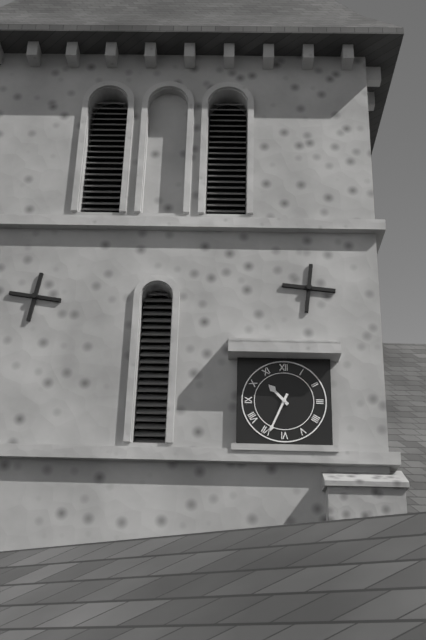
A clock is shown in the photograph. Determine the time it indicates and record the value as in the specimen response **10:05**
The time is **10:34**
